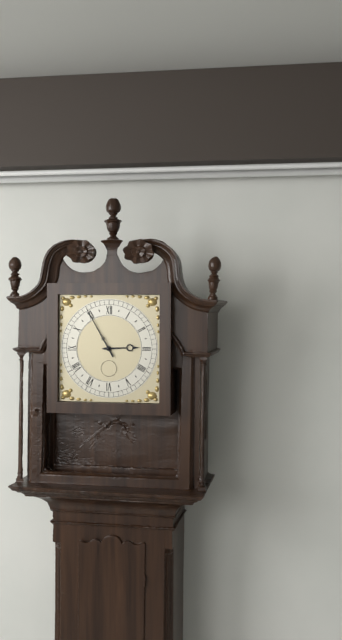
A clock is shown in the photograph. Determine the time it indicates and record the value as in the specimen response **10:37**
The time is **2:55**
